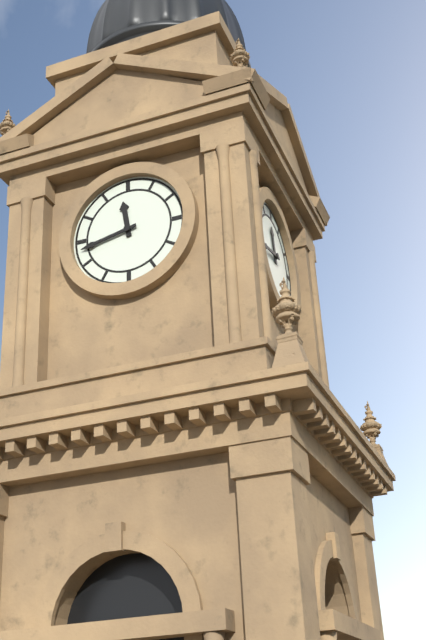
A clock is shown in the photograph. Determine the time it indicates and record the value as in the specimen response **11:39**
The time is **11:43**
